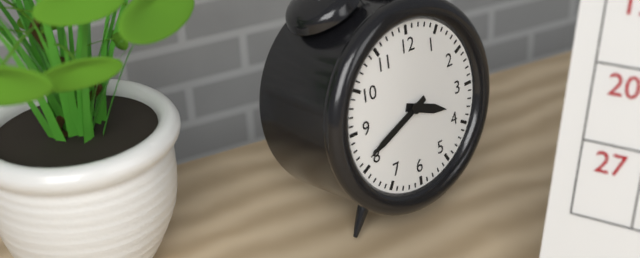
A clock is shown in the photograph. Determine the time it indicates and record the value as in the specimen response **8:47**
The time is **3:41**
